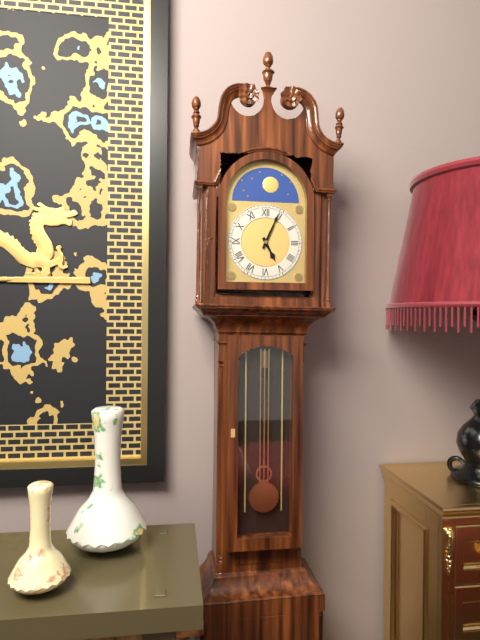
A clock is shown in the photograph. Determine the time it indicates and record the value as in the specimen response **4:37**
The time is **5:04**
